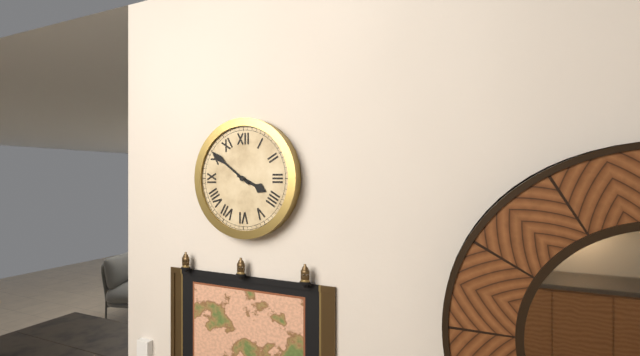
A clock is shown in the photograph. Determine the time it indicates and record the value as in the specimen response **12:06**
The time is **3:51**
